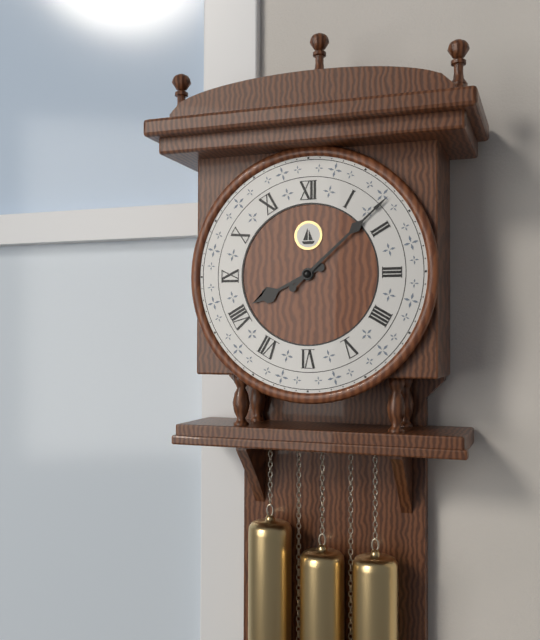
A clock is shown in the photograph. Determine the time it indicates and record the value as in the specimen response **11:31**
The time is **8:08**
